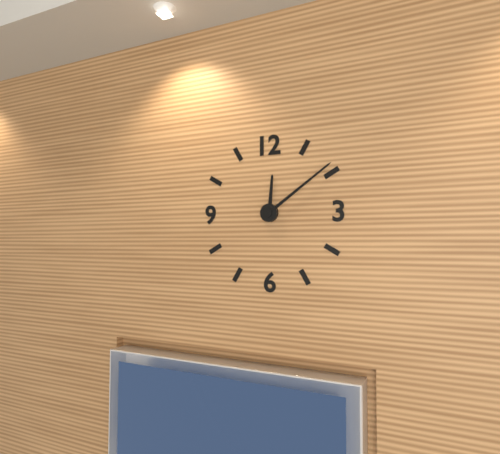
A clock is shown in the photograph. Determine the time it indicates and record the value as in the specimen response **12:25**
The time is **12:09**
